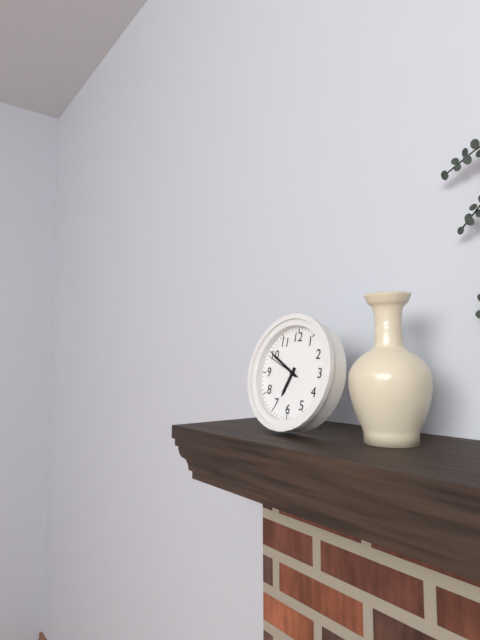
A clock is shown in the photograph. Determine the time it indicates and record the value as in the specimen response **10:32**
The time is **6:50**
